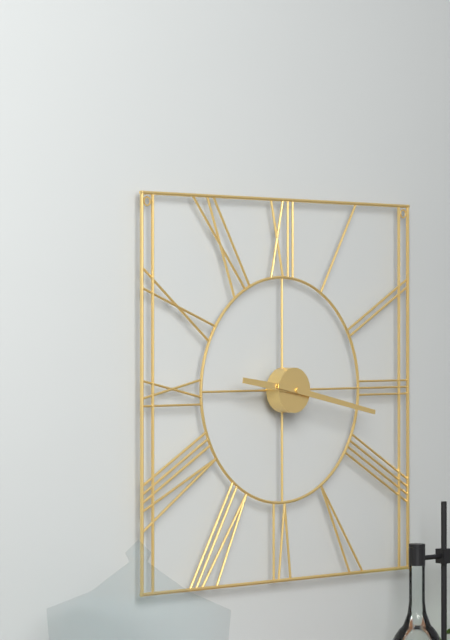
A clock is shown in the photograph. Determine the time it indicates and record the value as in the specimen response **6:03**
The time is **9:17**
